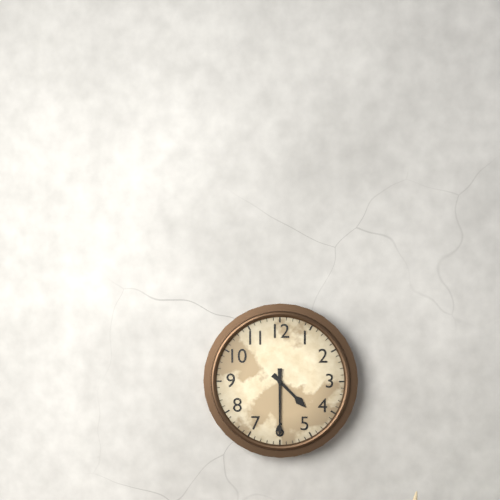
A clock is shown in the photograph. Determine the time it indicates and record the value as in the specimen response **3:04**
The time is **4:30**
